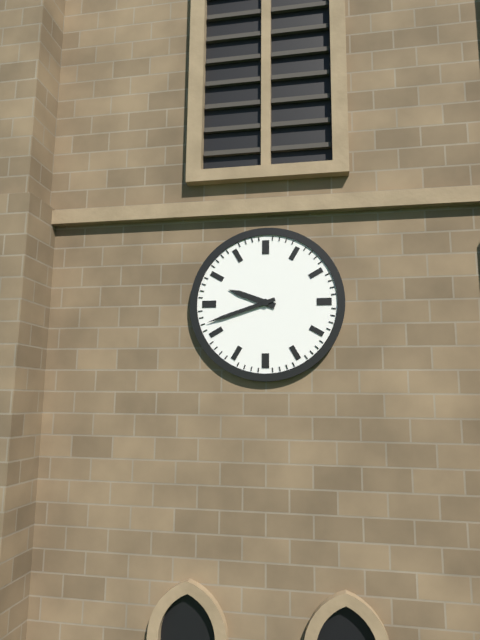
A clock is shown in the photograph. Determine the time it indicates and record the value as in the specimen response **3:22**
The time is **9:42**
